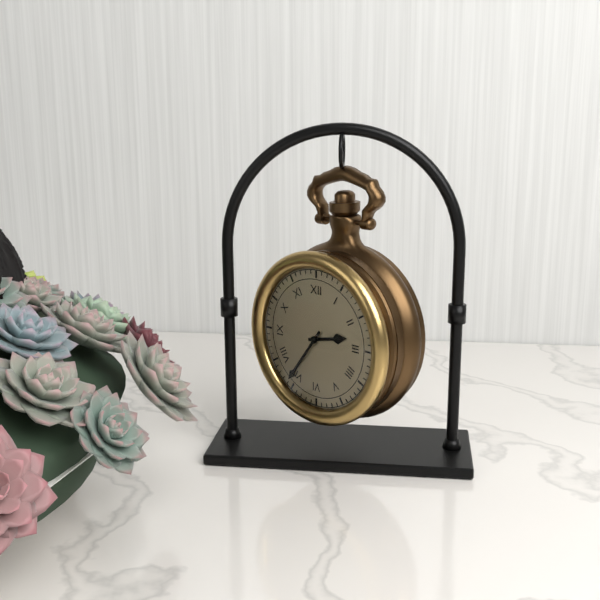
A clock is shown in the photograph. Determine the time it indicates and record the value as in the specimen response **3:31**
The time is **2:36**
